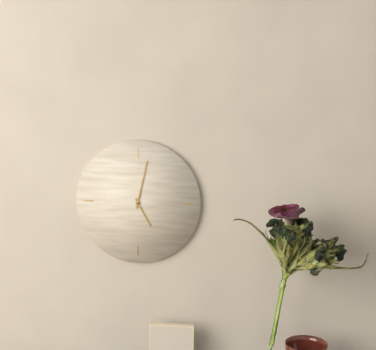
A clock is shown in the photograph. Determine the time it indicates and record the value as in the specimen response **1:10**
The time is **5:02**
